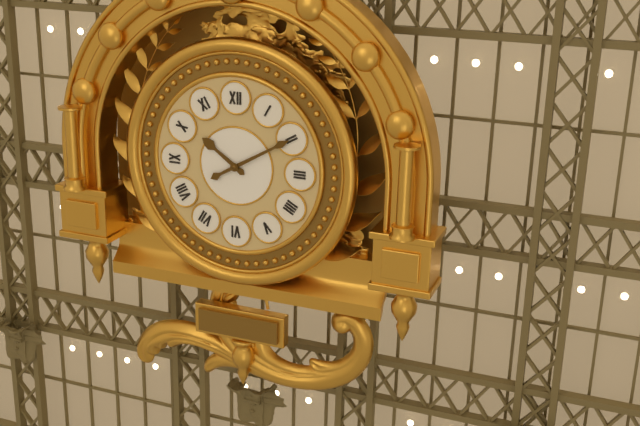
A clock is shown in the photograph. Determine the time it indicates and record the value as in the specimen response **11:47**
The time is **10:10**
